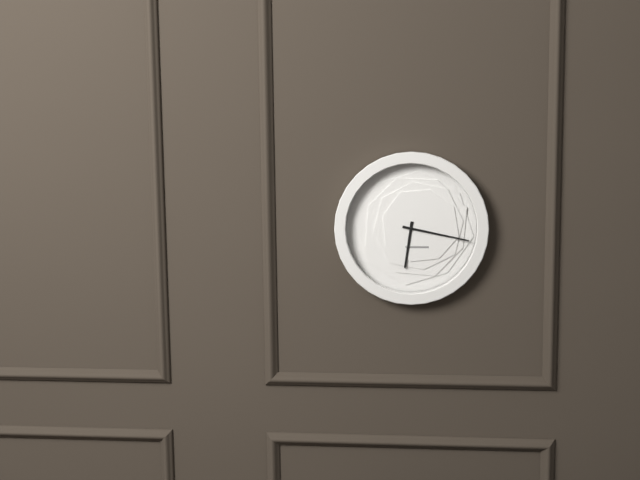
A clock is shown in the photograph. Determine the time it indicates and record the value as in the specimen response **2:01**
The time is **6:17**
